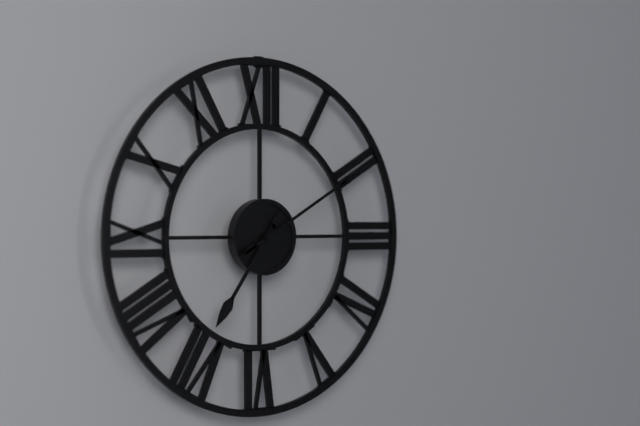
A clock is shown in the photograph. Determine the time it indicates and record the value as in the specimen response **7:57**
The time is **7:10**
